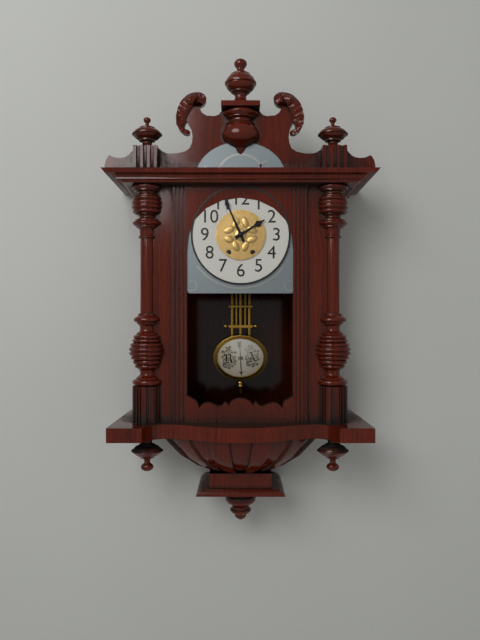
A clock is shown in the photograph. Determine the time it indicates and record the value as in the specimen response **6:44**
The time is **1:56**
